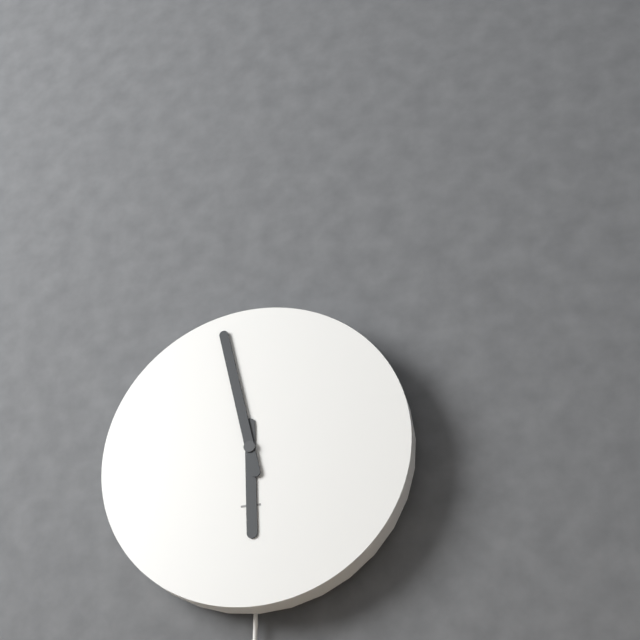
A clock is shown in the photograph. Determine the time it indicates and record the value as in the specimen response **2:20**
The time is **5:58**
